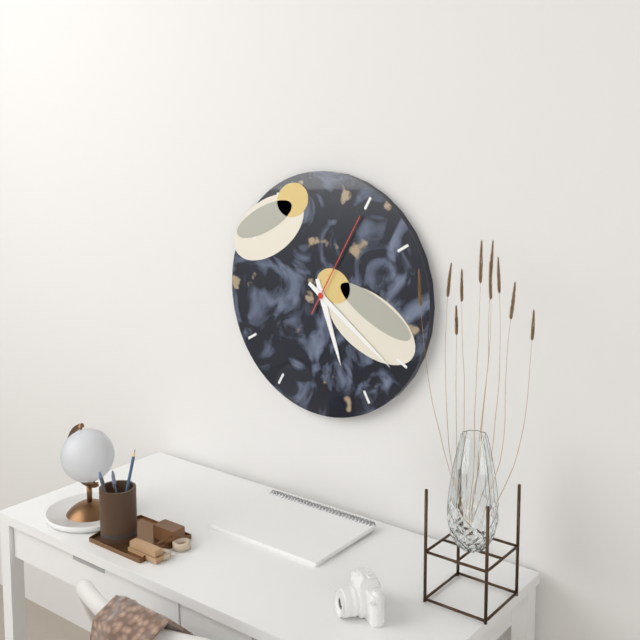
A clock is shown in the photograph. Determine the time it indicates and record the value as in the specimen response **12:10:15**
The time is **5:21:05**
